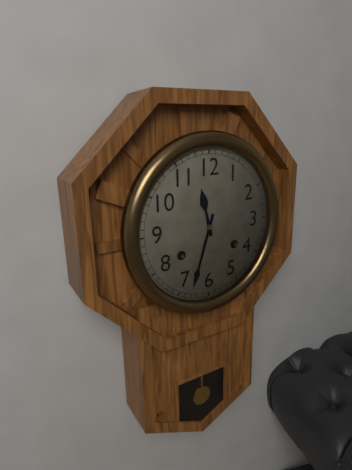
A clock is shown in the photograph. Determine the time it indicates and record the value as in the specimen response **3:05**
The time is **11:33**
